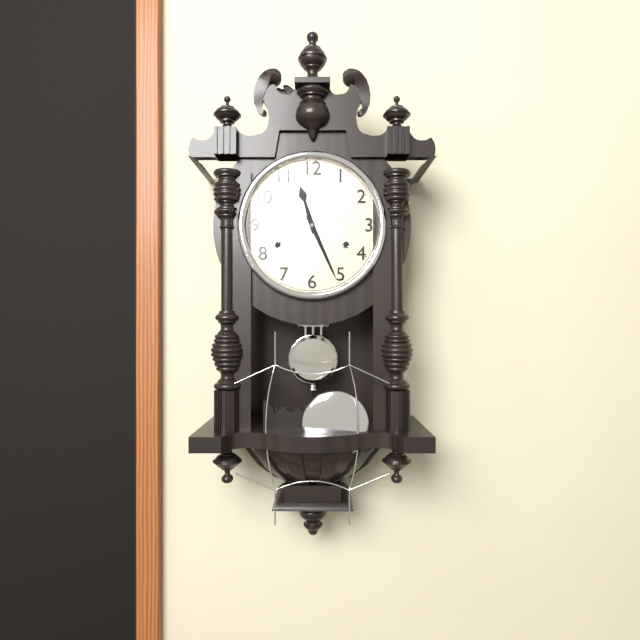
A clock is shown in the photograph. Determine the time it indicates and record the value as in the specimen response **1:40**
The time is **11:26**
